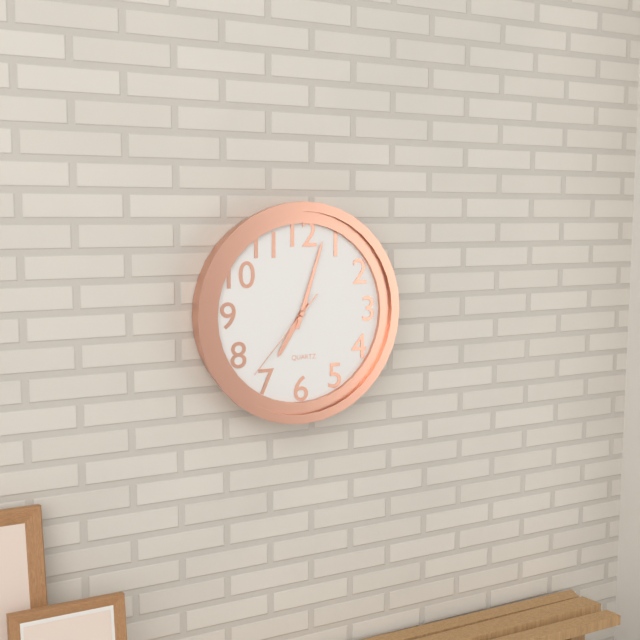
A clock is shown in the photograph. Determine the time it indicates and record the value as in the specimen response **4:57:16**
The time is **7:03:37**
